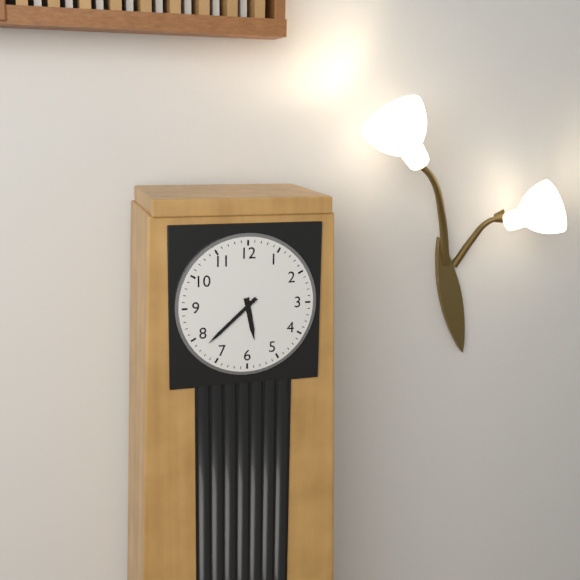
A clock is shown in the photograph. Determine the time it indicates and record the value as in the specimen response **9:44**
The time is **5:38**
